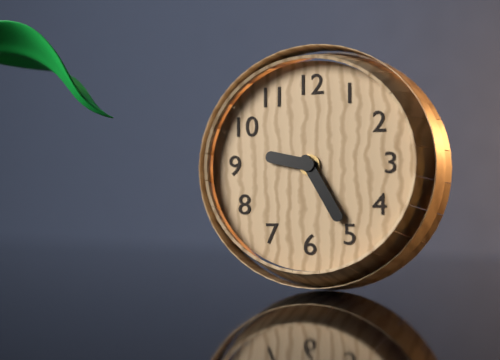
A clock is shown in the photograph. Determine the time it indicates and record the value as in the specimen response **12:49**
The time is **9:25**
